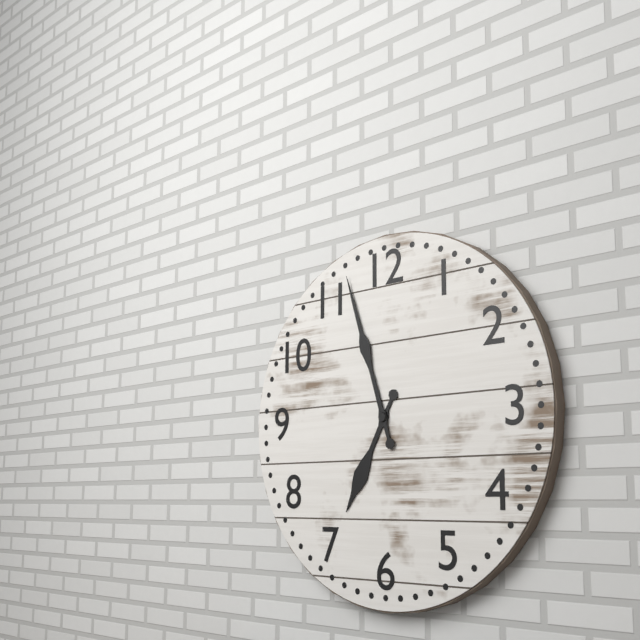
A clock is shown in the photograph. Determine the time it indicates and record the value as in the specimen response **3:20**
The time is **6:57**
